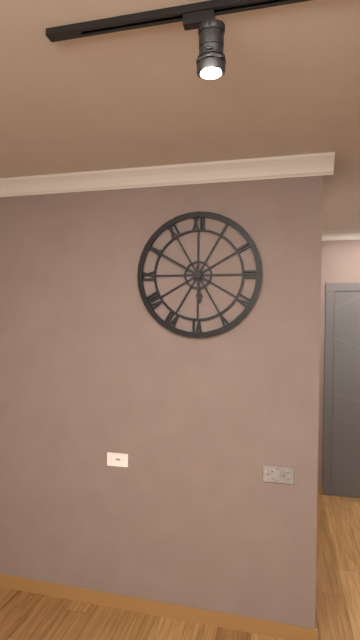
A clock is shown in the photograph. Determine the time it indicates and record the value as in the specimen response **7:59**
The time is **5:50**
